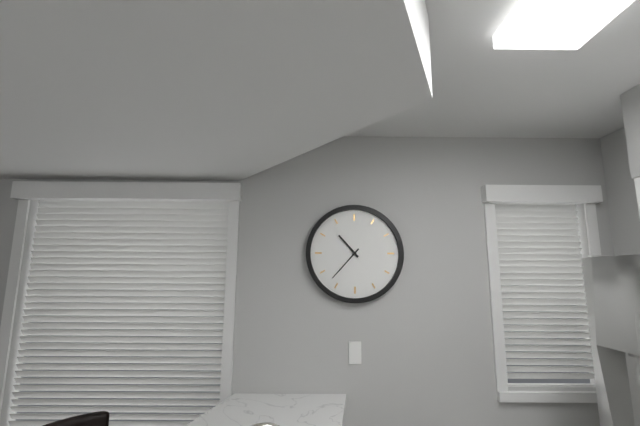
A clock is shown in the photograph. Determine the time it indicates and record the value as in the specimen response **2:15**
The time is **10:37**
